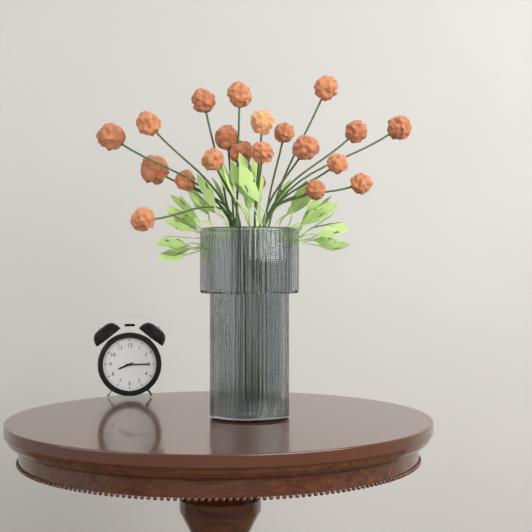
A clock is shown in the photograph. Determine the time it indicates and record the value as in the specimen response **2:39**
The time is **8:15**
